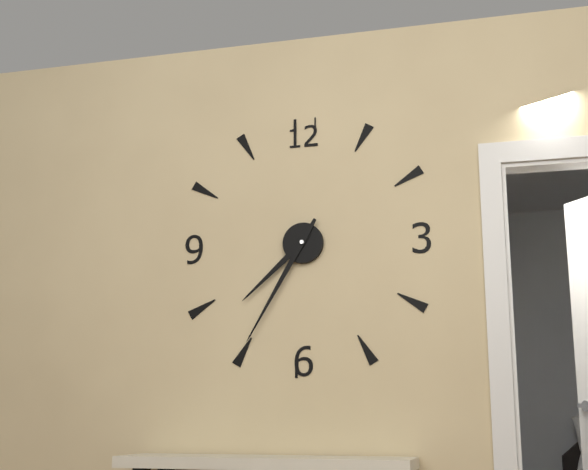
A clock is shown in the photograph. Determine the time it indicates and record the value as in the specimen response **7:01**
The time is **7:35**
